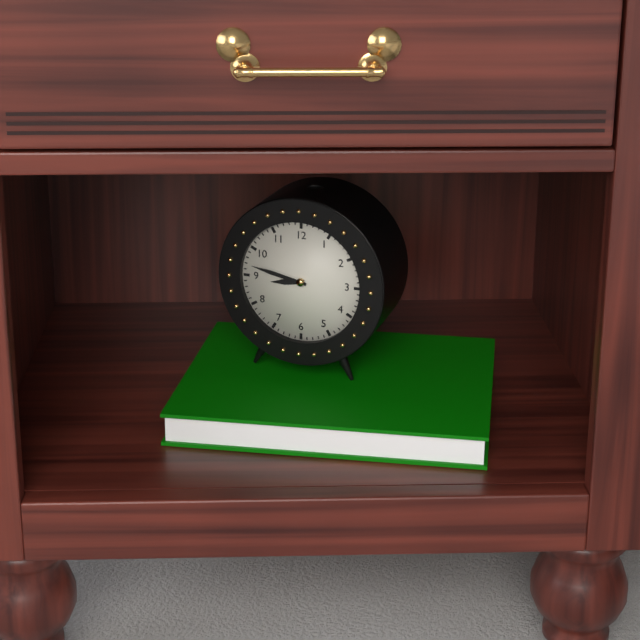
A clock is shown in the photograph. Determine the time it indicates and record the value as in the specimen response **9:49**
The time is **8:47**
